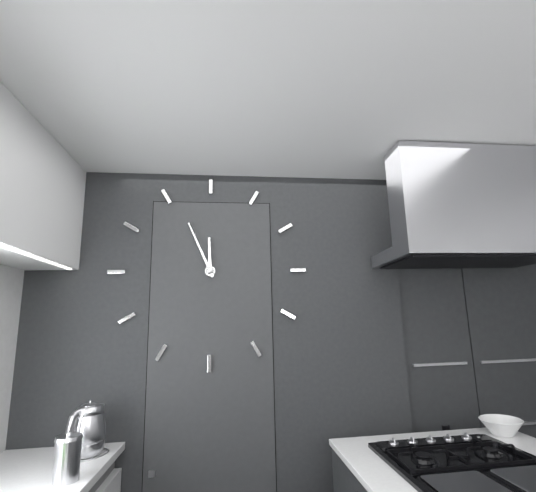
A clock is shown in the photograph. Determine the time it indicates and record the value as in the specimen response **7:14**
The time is **11:56**
